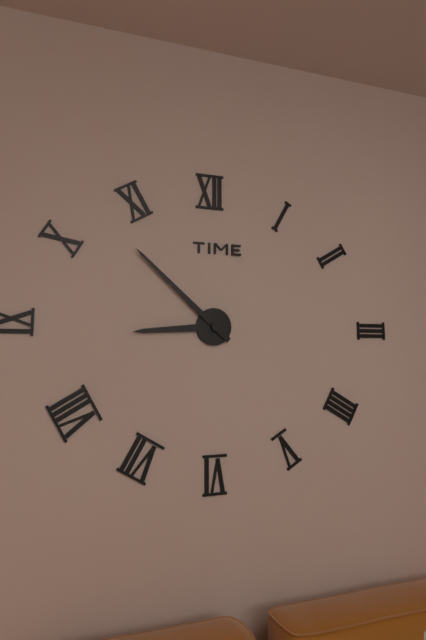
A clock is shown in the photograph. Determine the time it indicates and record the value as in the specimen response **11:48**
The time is **8:52**
